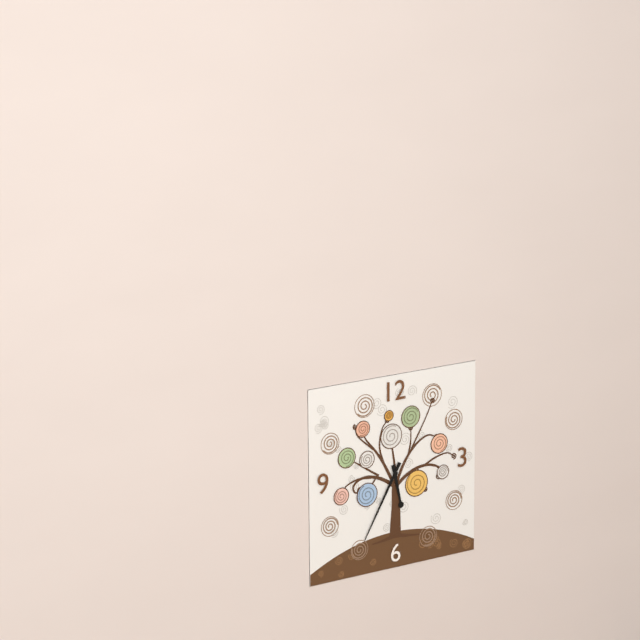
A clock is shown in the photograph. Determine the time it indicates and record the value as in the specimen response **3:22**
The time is **5:35**
